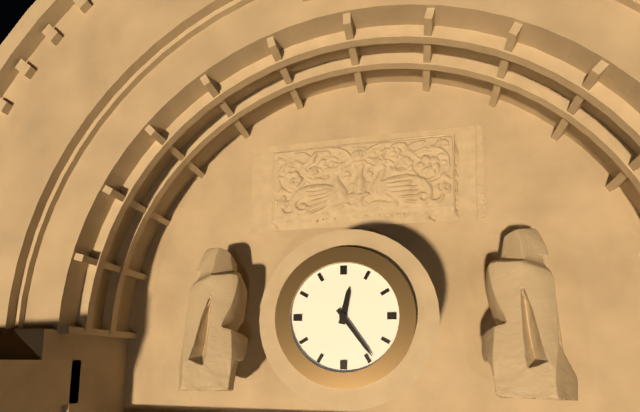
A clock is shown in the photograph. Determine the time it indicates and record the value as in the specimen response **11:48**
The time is **12:24**
